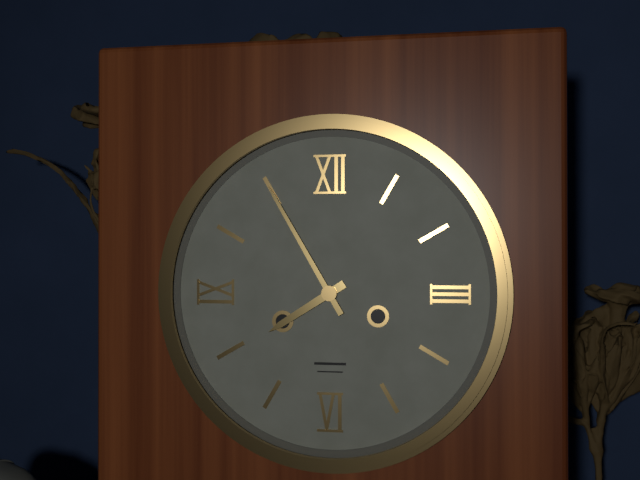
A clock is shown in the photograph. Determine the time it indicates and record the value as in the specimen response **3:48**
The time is **7:55**
